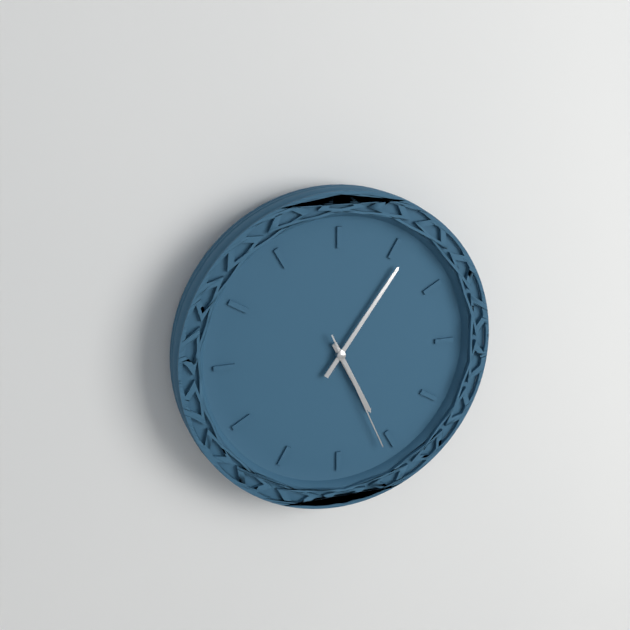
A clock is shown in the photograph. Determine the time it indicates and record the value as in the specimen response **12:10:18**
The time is **5:06:26**
